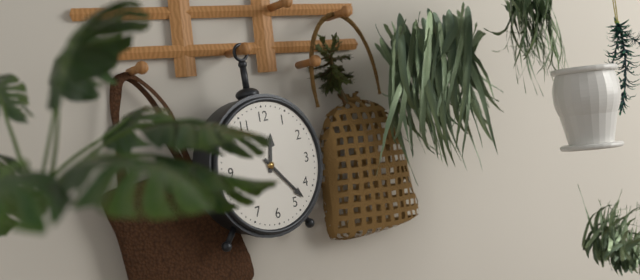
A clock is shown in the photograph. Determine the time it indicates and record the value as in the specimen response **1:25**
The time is **12:23**
